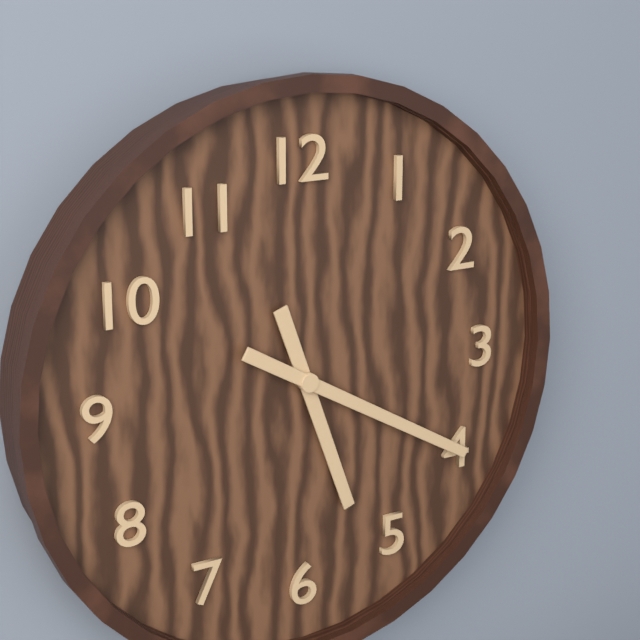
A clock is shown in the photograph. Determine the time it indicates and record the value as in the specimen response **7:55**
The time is **5:20**
